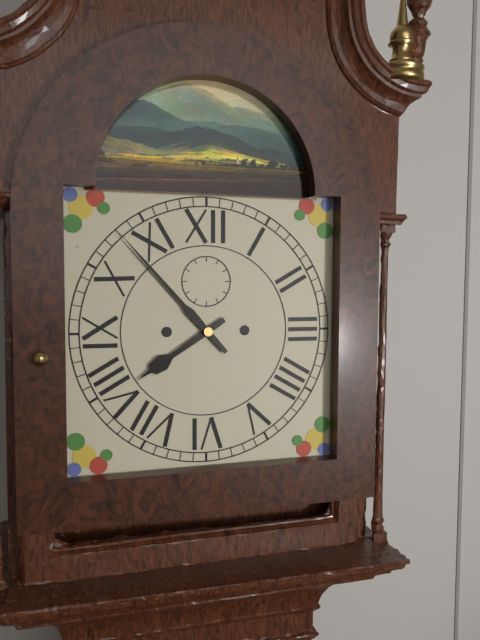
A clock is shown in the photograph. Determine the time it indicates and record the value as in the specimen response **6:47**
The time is **7:53**
